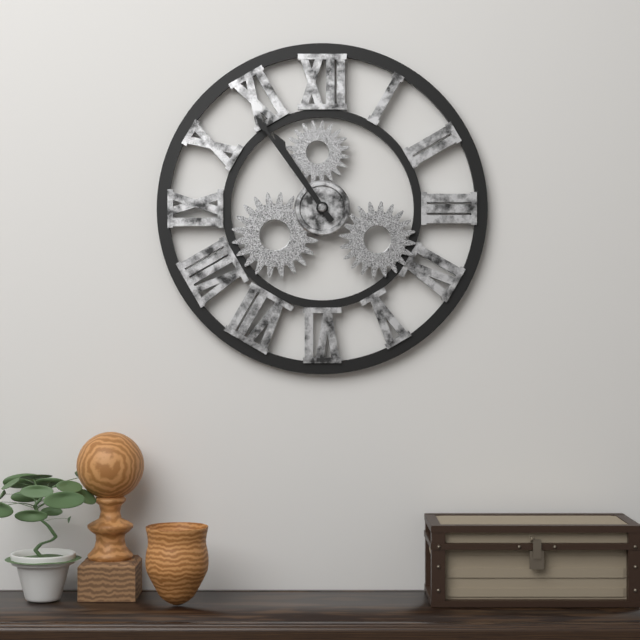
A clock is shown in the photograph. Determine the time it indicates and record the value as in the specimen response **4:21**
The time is **10:54**
